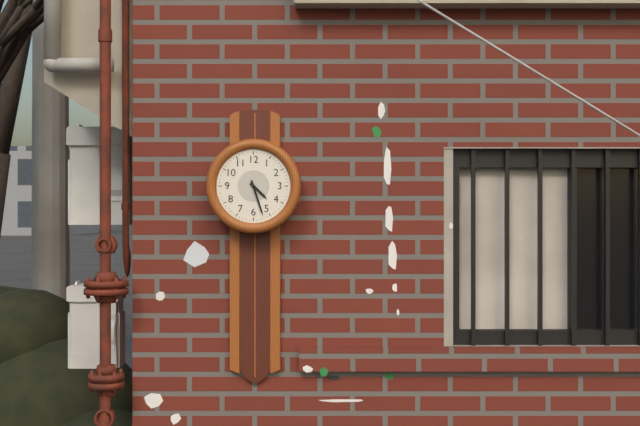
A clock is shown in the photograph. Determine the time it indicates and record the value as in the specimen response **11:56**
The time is **4:27**
